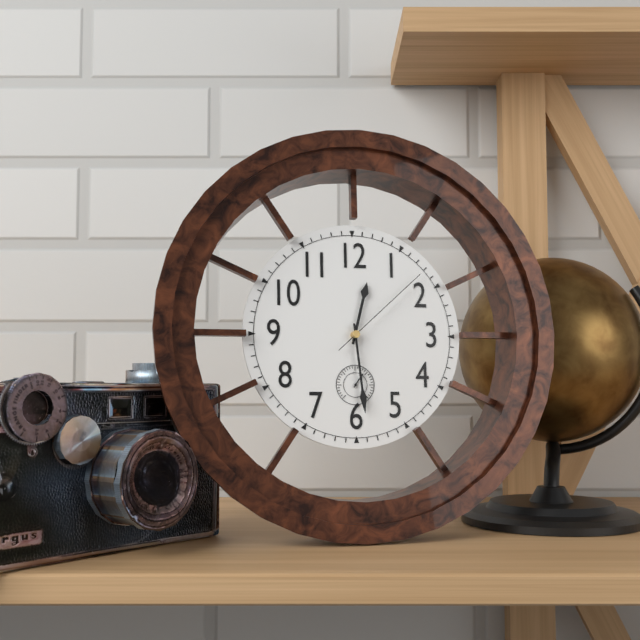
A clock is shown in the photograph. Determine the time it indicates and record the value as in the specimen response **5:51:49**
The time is **12:29:08**
